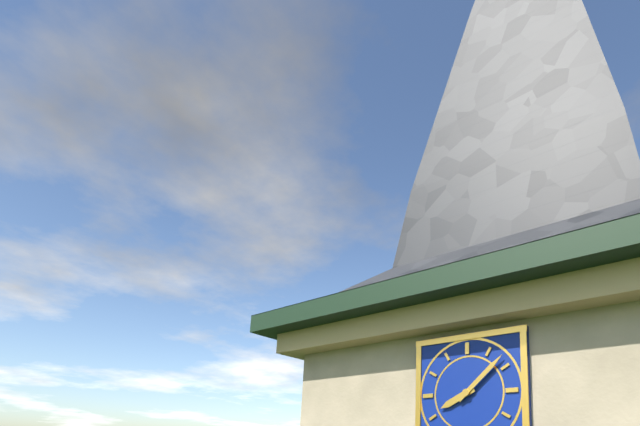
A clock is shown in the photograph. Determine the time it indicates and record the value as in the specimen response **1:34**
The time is **8:08**
